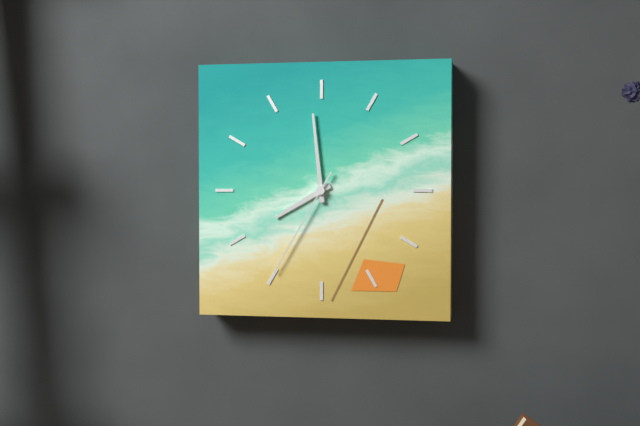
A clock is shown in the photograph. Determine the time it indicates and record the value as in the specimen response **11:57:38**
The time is **7:59:35**
